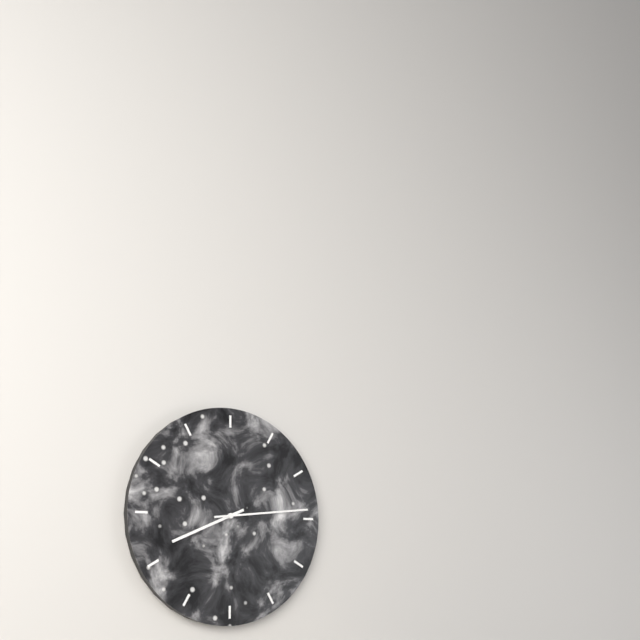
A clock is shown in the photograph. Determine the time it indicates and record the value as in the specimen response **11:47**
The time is **8:14**
